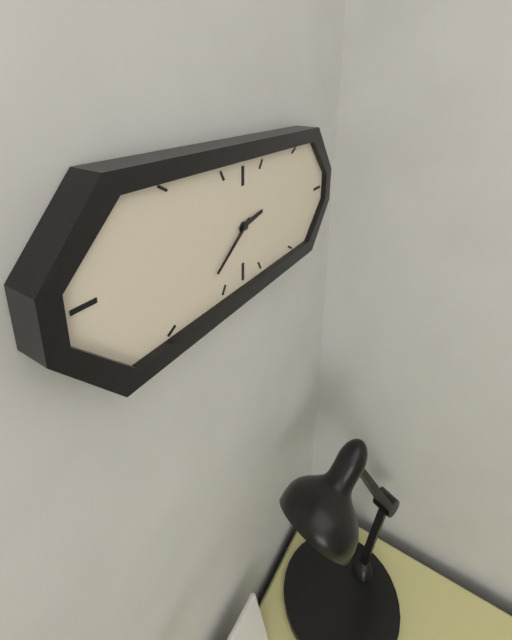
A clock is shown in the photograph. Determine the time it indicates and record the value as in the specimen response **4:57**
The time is **2:39**
